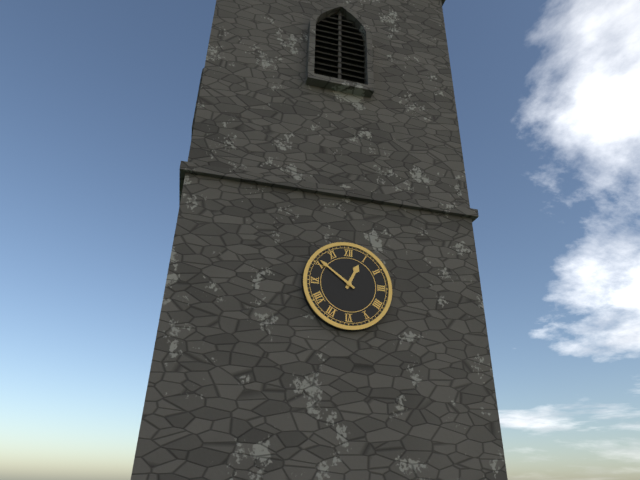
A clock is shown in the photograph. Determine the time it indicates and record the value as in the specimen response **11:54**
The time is **12:51**
